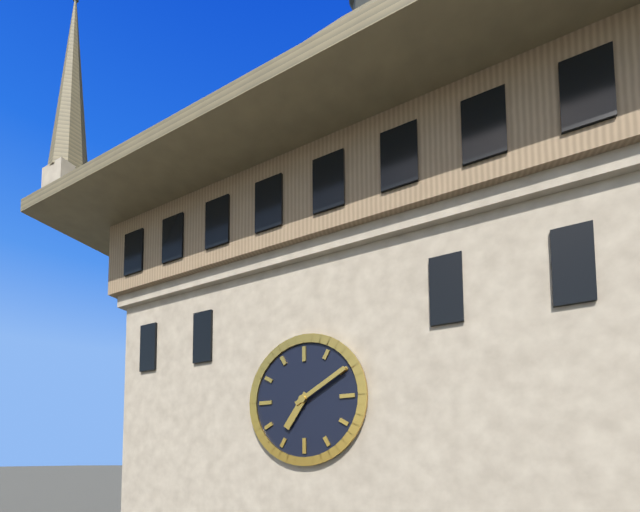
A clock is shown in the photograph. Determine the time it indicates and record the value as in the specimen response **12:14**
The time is **7:10**
